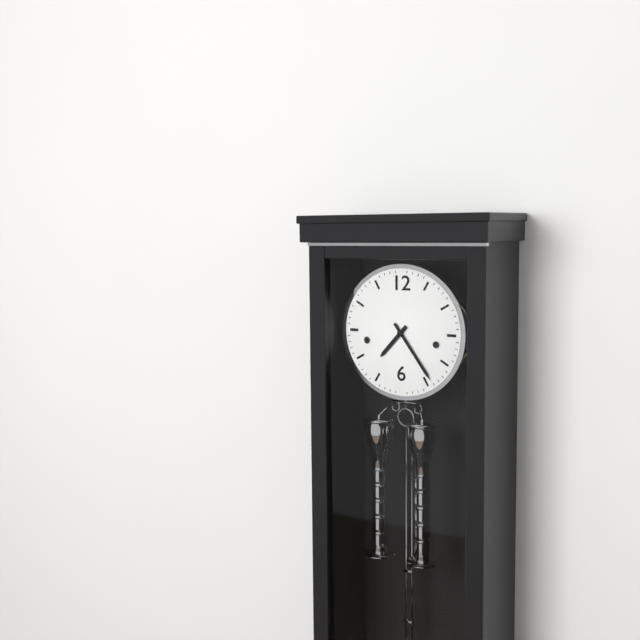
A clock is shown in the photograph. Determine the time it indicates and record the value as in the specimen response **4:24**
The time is **7:24**
